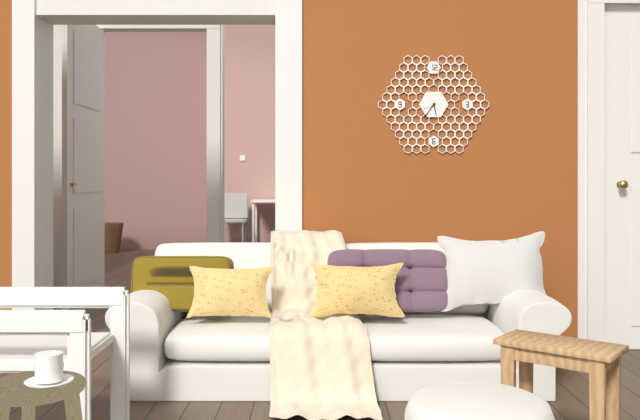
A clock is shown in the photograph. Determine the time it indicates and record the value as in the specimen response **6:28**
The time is **5:36**
